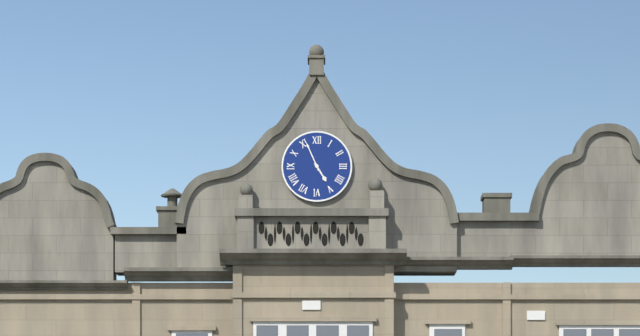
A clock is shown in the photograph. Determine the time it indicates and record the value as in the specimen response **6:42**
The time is **4:56**
